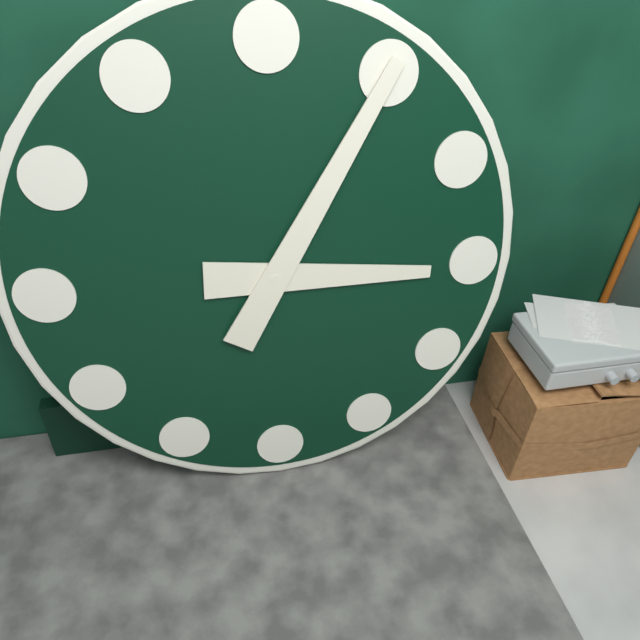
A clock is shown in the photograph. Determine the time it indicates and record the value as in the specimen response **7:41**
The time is **3:05**
